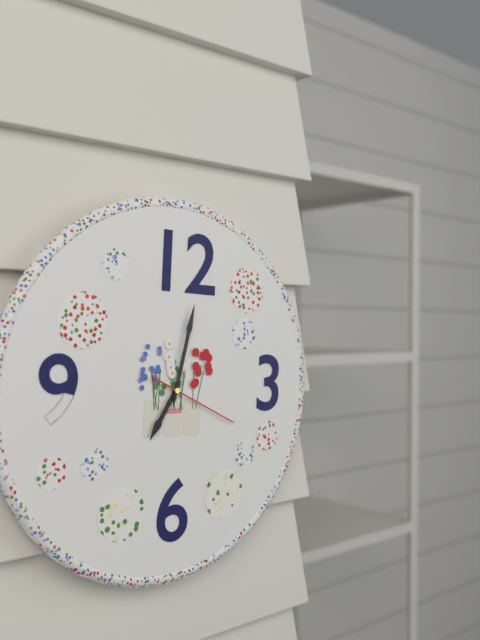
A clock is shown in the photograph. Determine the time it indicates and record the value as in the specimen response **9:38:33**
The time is **7:02:19**
